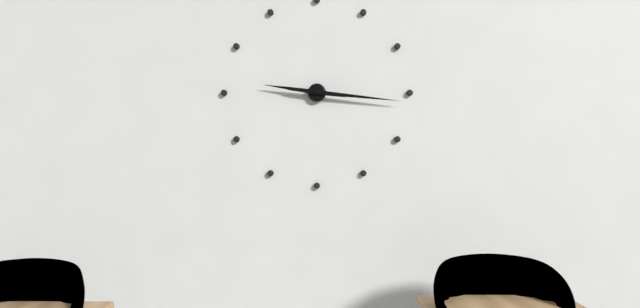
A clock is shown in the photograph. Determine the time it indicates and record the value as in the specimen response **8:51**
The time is **9:16**
